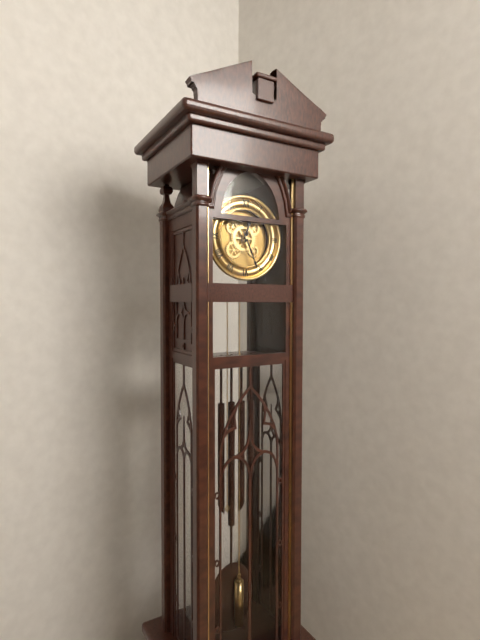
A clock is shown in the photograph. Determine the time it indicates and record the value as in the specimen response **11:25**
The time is **12:26**
